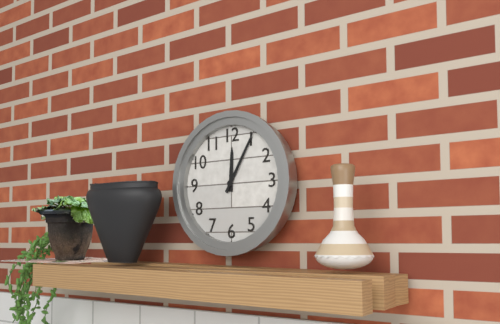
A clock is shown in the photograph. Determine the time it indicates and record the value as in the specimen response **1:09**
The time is **12:05**
